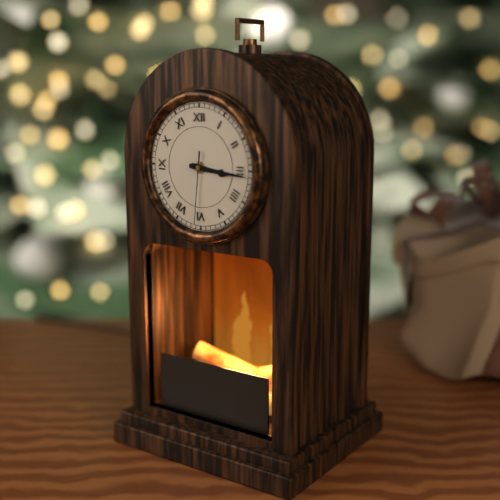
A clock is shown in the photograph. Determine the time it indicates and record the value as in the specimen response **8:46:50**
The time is **3:16:31**
